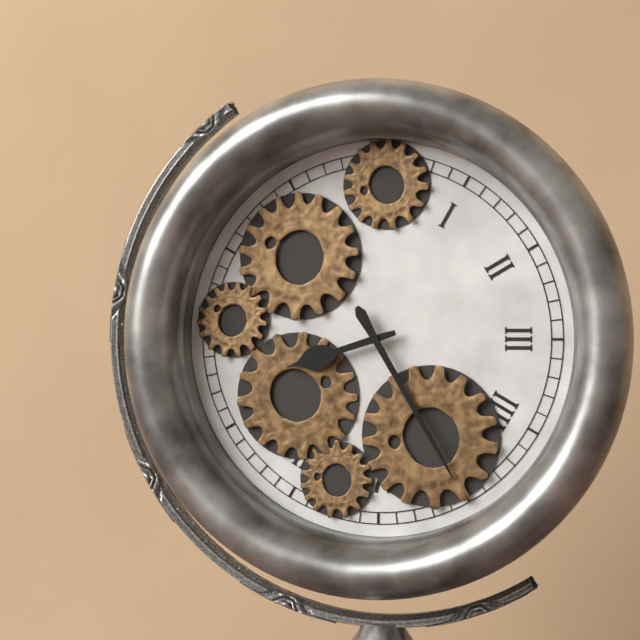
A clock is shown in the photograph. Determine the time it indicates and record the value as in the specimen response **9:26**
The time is **8:25**
